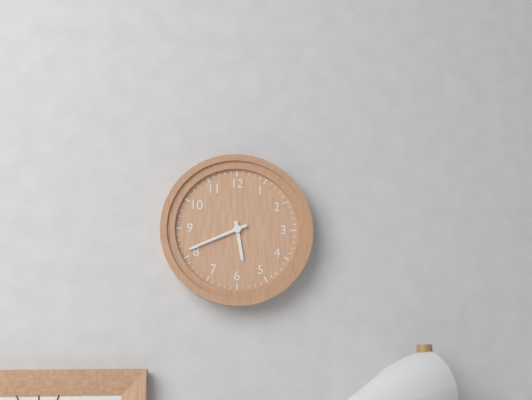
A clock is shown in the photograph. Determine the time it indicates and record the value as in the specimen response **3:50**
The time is **5:41**
